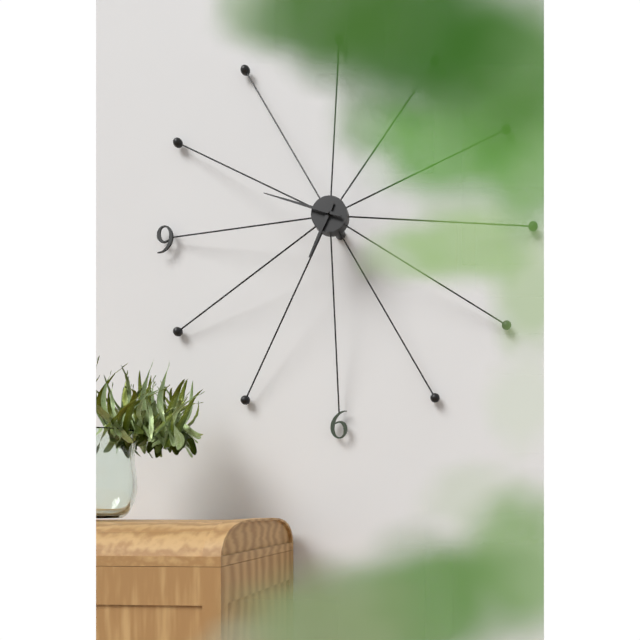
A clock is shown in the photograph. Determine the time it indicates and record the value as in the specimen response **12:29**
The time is **6:48**
